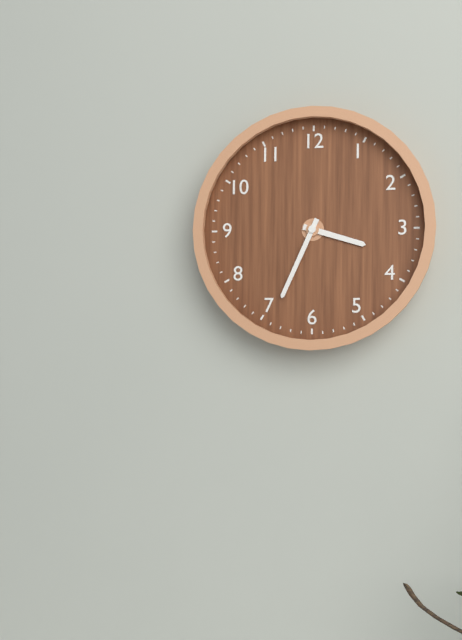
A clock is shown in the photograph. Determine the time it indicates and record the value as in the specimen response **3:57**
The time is **3:34**
